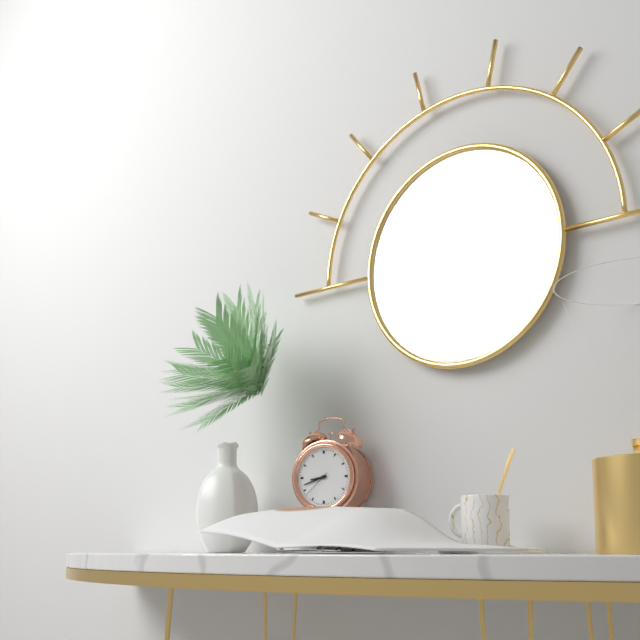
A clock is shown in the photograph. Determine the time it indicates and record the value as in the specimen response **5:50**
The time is **8:42**
